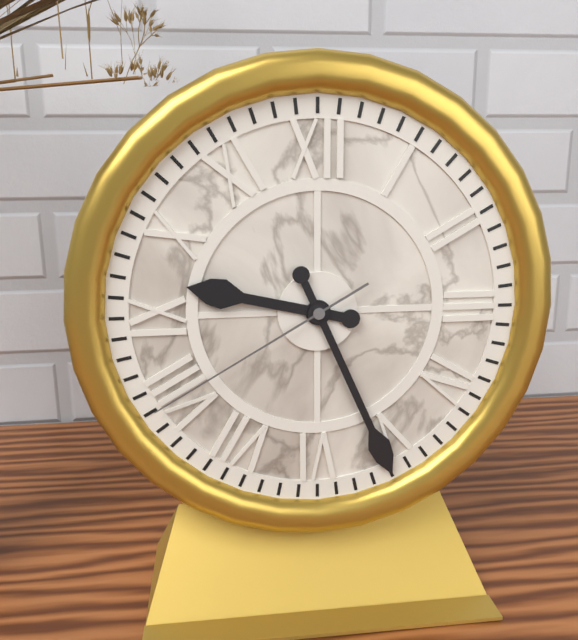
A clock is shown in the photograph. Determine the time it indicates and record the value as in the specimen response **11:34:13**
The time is **9:26:40**
